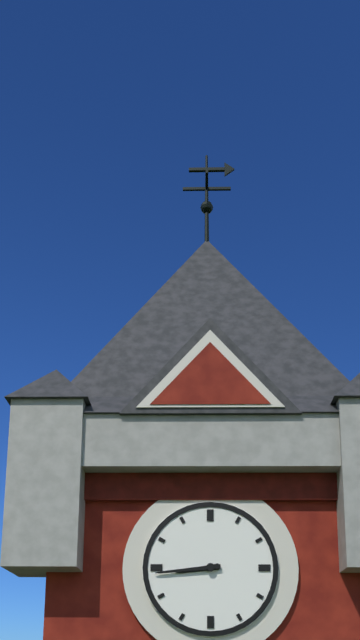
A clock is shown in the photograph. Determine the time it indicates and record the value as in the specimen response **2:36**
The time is **8:44**
